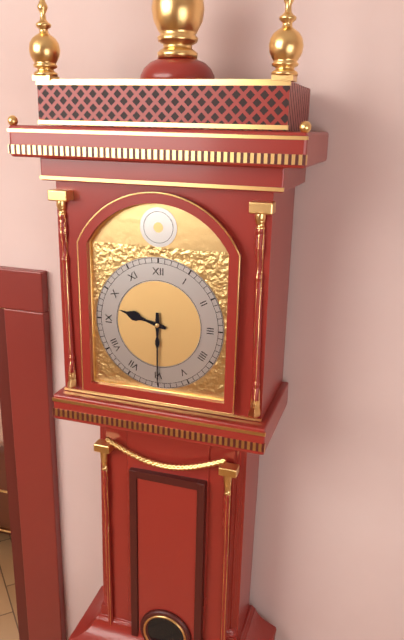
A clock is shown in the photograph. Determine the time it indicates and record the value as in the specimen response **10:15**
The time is **9:30**
